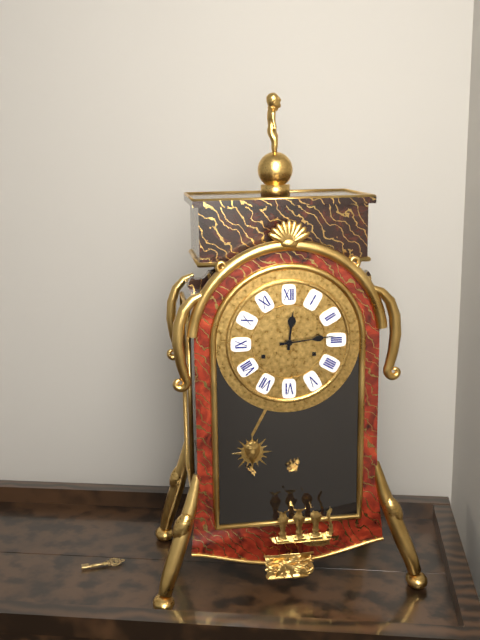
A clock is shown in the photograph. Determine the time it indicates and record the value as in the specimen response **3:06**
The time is **12:14**
